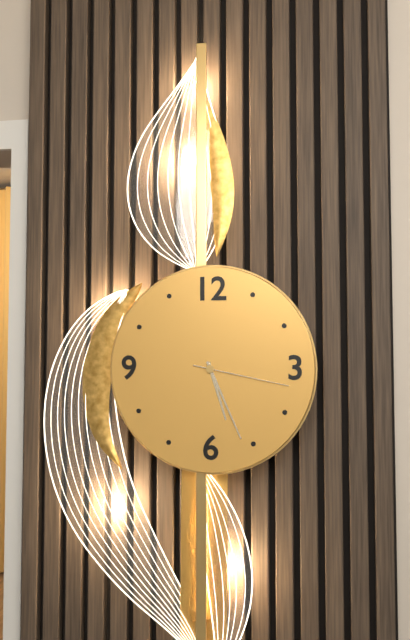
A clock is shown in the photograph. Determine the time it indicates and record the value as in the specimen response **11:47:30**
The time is **5:26:17**
